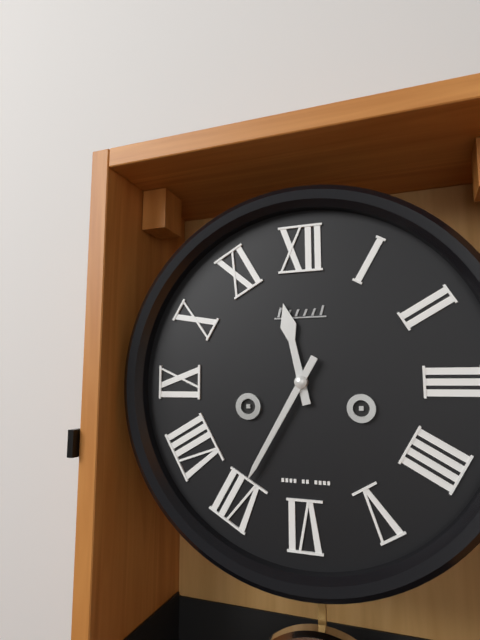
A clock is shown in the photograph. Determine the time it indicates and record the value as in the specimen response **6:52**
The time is **11:35**
